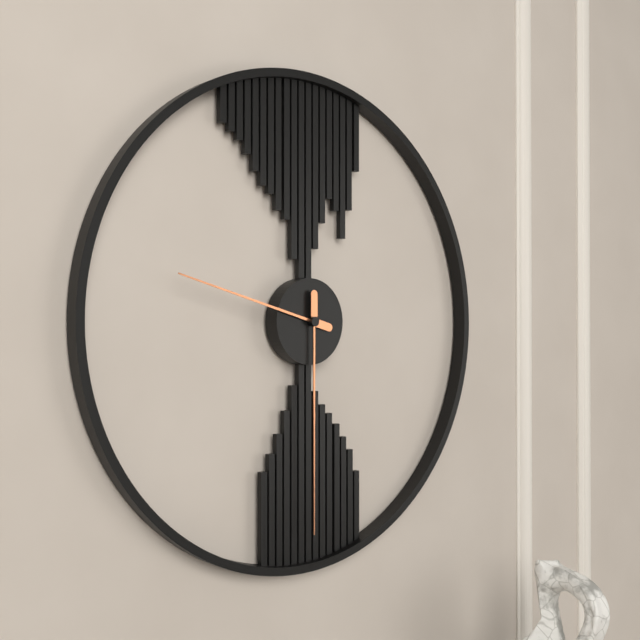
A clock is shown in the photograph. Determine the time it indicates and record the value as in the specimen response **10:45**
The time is **9:30**
